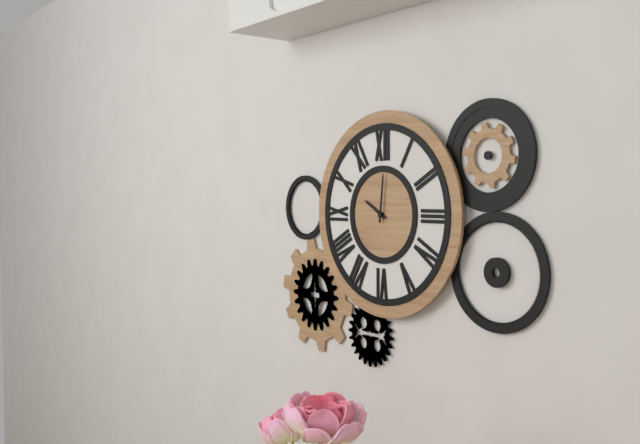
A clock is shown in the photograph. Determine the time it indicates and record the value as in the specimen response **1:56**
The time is **10:01**
